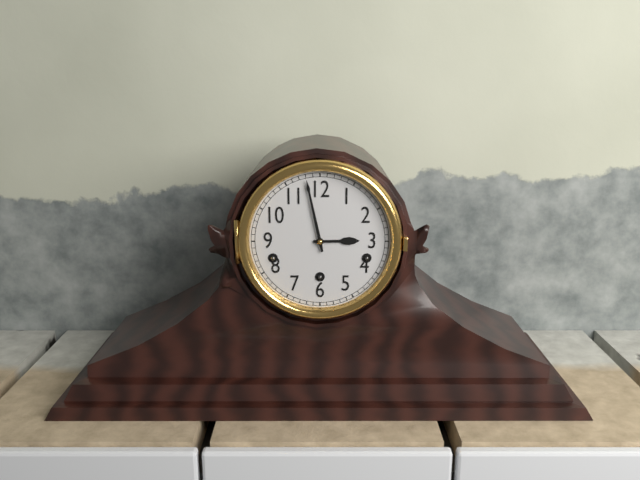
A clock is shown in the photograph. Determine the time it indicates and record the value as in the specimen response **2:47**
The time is **2:58**
